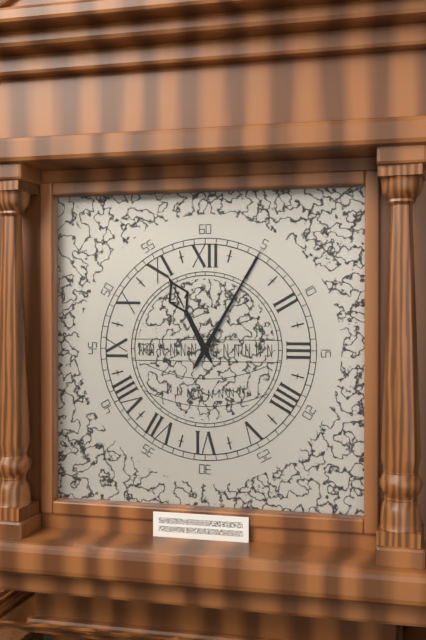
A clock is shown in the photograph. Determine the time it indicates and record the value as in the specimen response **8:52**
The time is **11:05**
